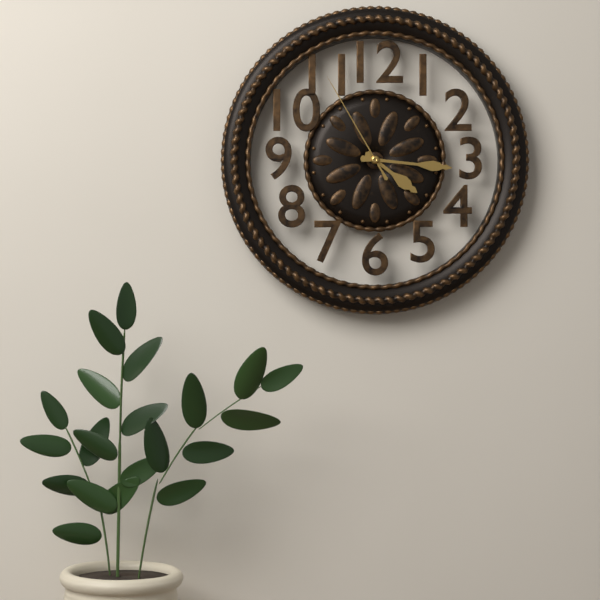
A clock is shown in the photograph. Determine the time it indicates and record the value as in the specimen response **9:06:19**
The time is **4:16:55**
